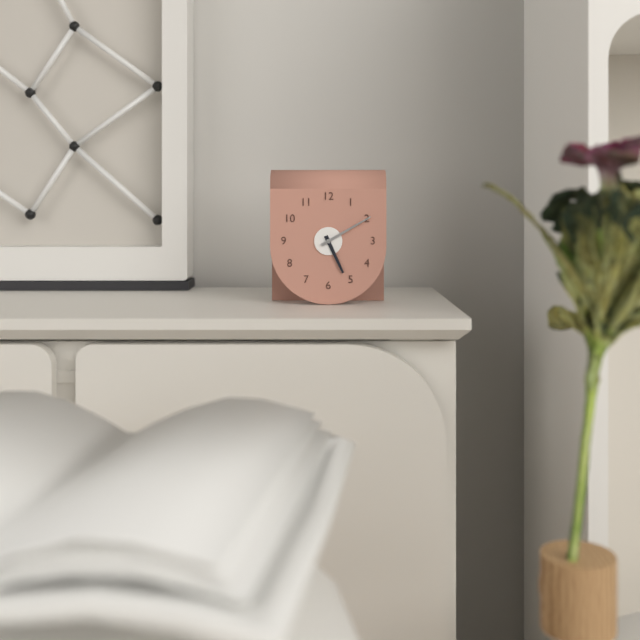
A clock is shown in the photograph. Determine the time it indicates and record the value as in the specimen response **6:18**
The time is **5:10**
